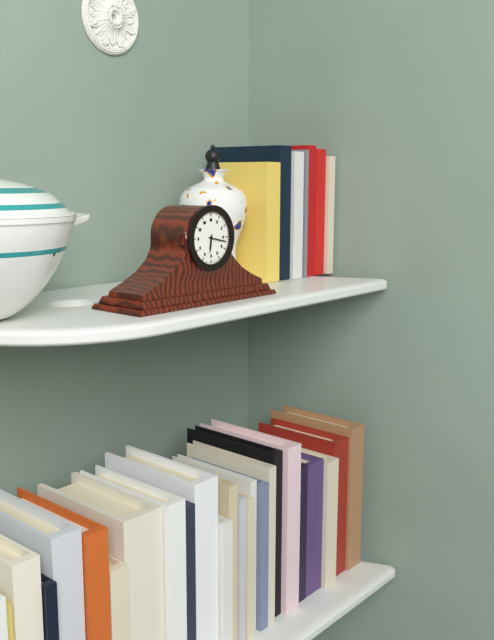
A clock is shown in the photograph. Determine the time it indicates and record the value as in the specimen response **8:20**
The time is **6:17**
